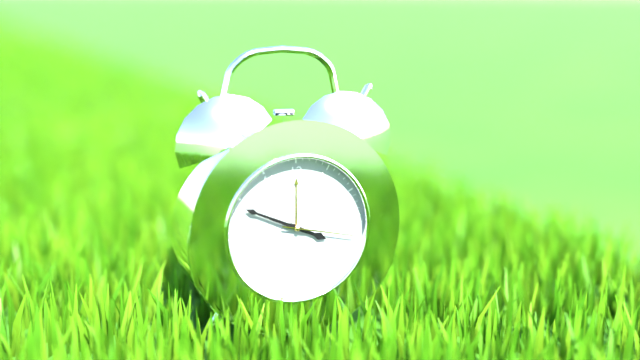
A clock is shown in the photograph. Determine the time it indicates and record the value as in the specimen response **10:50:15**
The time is **3:49:17**
